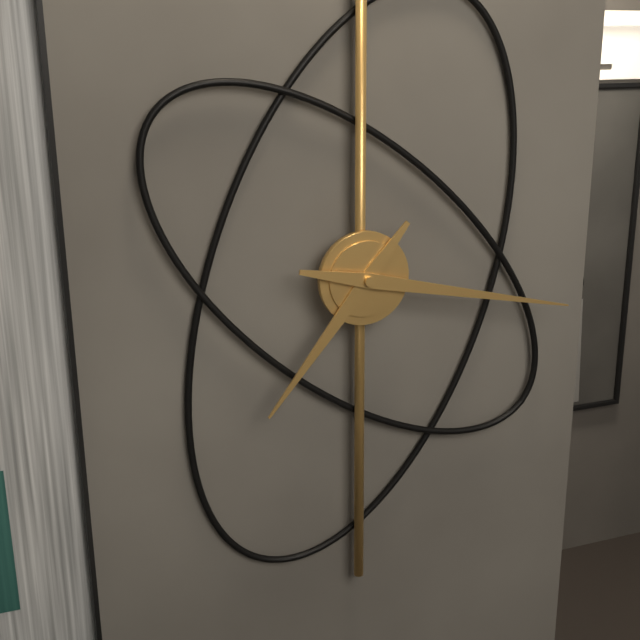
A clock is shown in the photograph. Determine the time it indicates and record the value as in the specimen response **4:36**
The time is **7:17**
